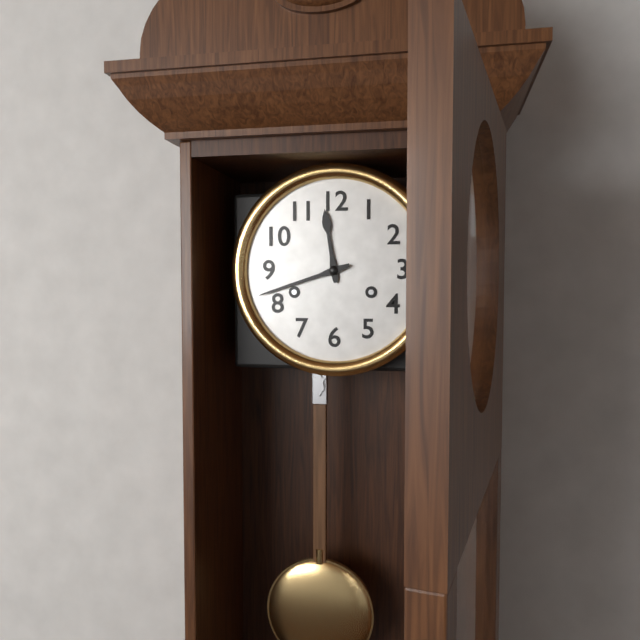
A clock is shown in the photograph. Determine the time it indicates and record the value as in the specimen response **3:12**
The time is **11:42**
